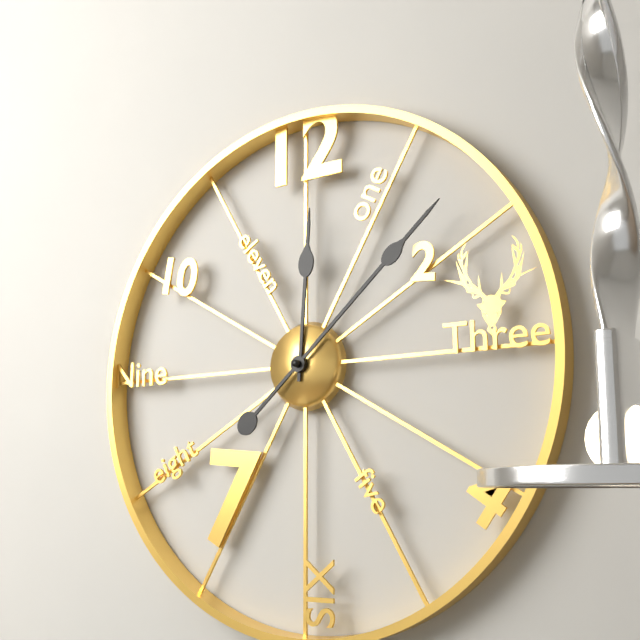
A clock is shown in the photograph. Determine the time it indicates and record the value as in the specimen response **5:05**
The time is **12:08**
